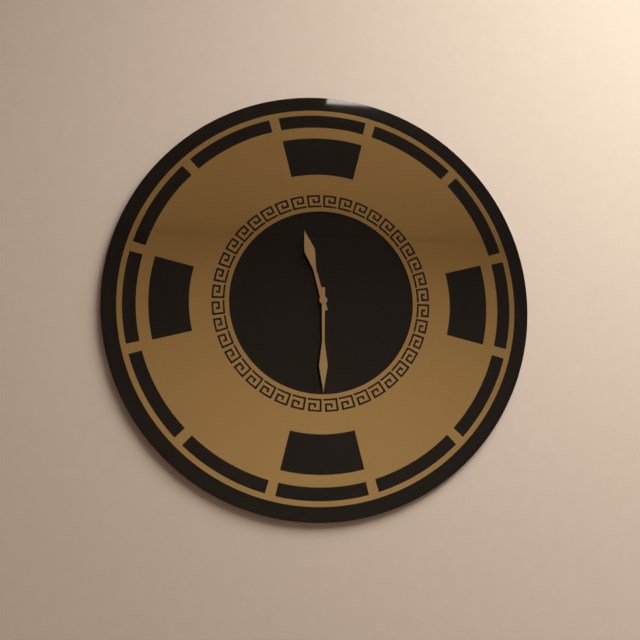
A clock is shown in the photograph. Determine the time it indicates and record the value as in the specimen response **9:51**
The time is **11:30**
